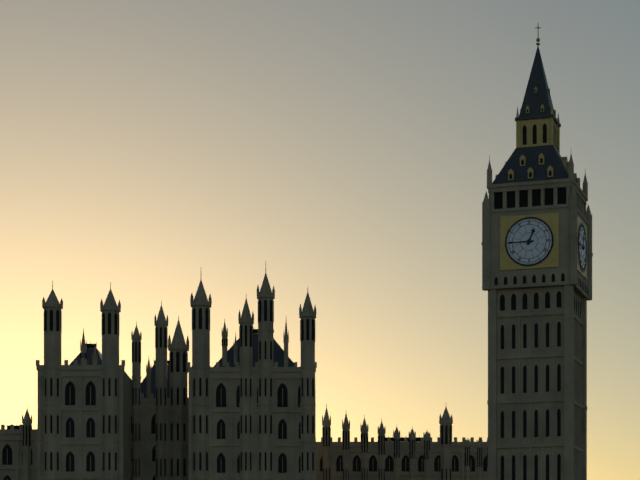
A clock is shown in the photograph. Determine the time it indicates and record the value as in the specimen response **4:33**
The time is **12:45**
